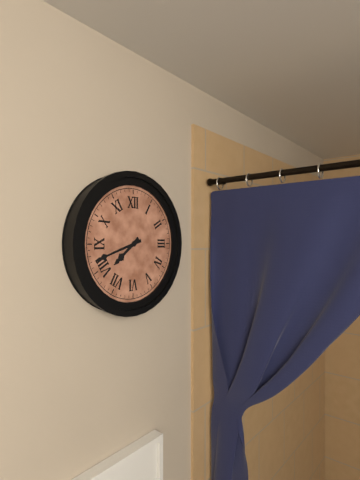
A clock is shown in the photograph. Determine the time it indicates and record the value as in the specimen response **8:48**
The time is **7:42**
